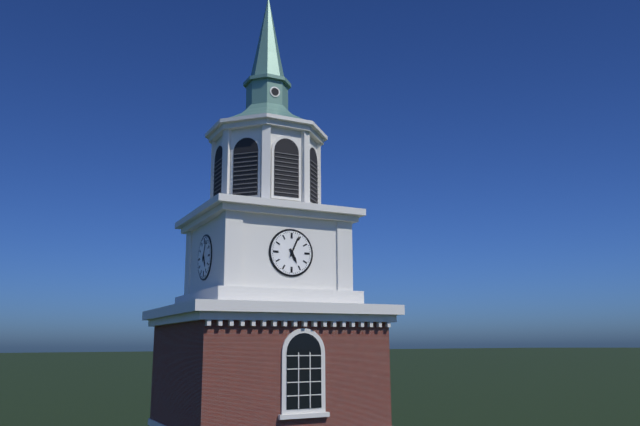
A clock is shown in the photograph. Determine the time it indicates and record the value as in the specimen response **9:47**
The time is **5:04**
